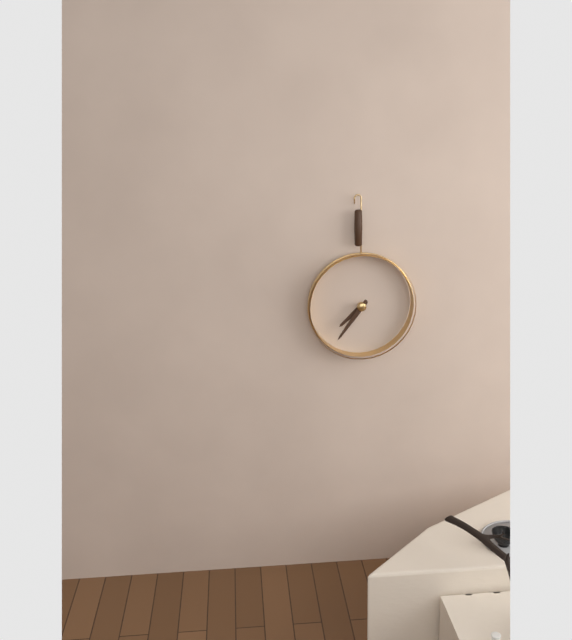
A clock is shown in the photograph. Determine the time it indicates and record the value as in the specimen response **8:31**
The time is **7:36**
